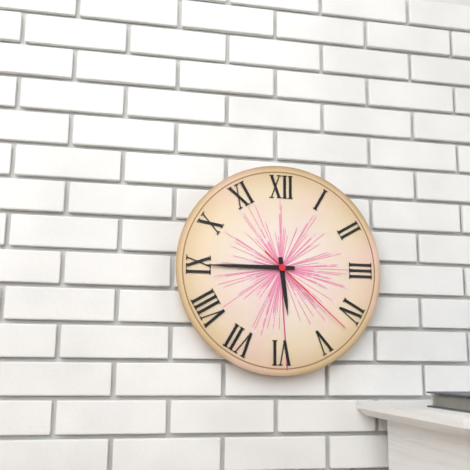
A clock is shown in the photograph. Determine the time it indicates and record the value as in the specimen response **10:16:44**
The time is **5:45:22**
